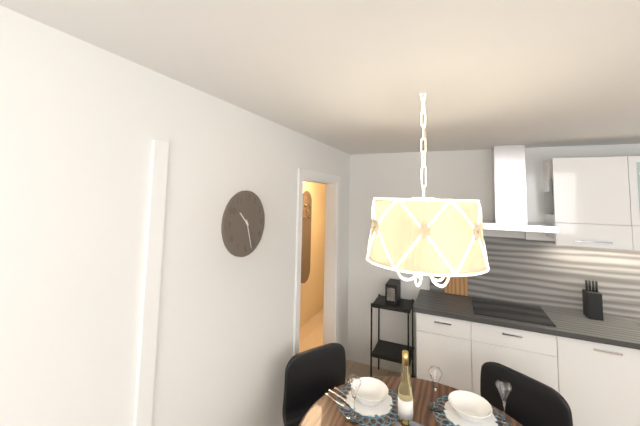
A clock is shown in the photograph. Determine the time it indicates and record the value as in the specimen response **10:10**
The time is **10:27**
